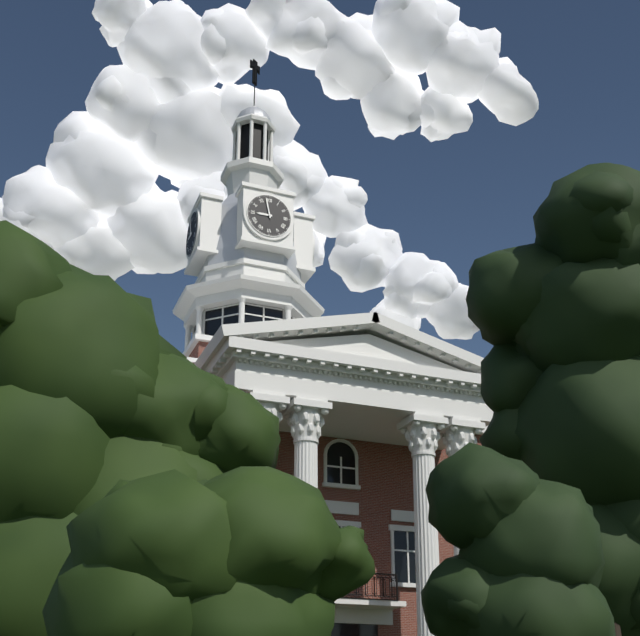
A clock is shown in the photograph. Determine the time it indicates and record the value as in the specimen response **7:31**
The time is **8:58**
